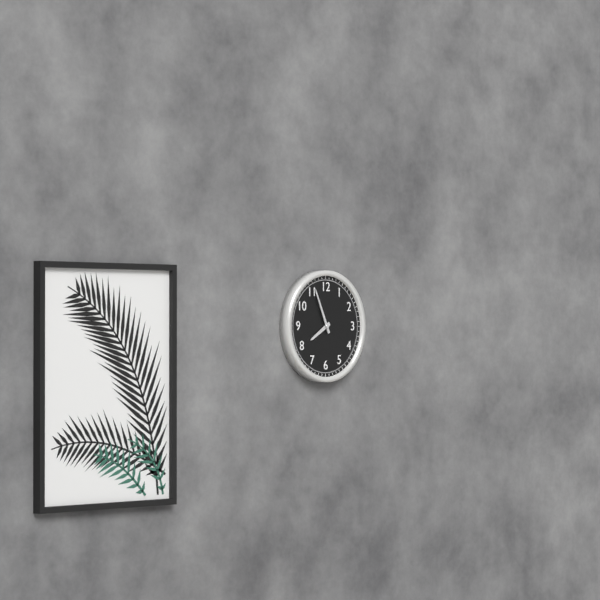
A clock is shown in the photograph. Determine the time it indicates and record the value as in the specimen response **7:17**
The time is **7:56**
